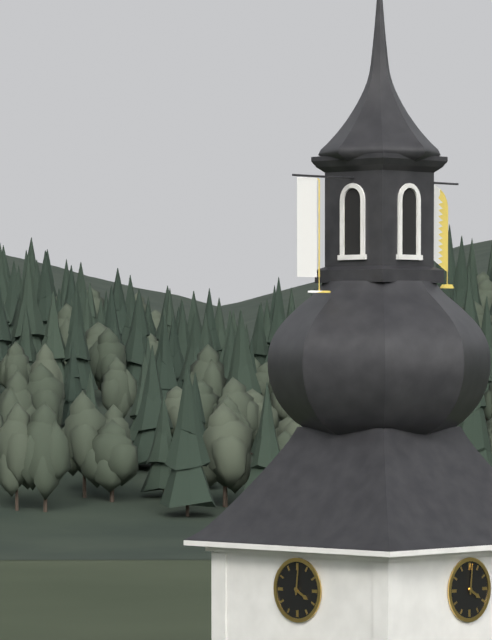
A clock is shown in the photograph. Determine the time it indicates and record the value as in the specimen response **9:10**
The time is **4:01**
